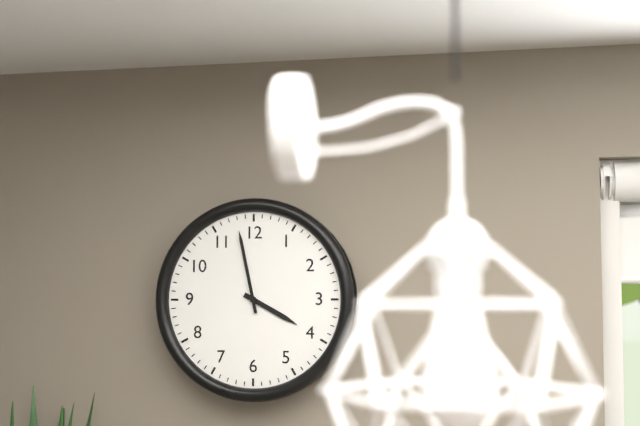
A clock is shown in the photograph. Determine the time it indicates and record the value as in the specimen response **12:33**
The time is **3:58**
